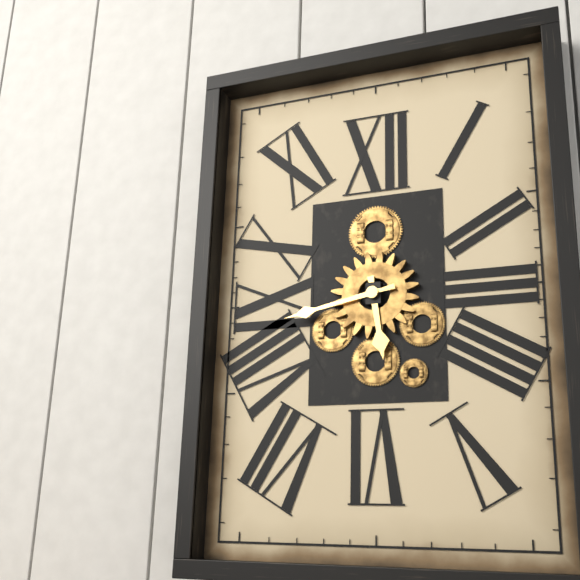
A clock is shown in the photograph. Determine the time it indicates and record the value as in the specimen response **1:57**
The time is **5:43**
